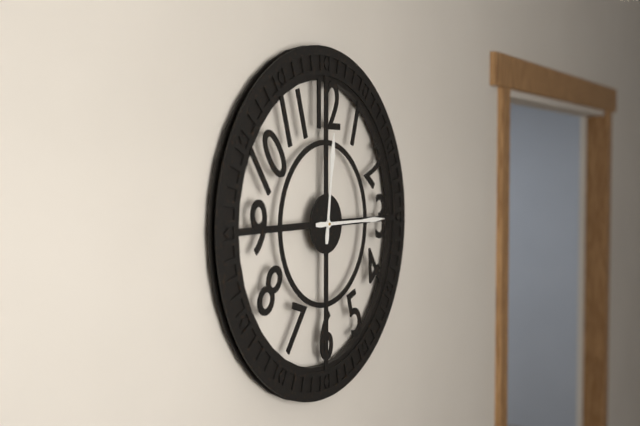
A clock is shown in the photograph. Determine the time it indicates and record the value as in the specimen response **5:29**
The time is **12:15**
